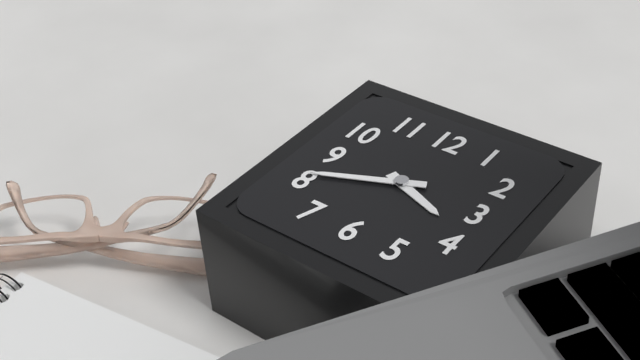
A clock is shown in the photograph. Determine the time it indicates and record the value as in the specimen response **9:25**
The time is **3:41**
